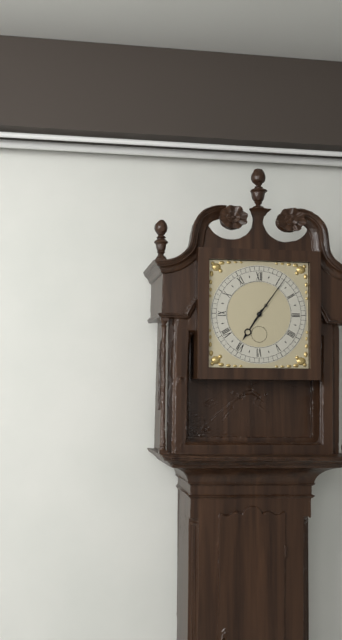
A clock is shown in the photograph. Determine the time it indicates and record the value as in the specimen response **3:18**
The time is **7:06**
